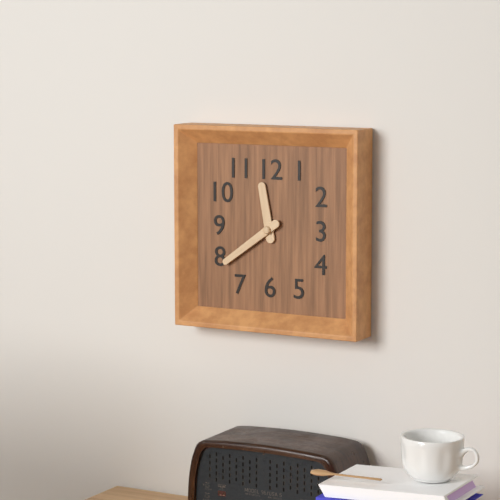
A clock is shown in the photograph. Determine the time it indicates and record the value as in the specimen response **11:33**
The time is **11:39**
